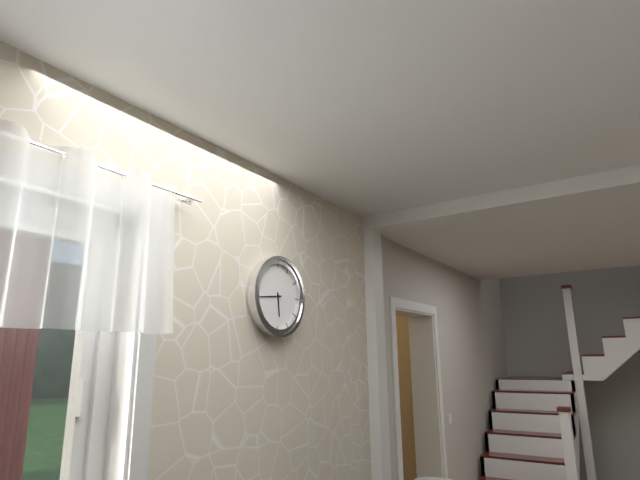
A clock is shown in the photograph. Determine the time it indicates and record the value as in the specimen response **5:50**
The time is **5:44**
